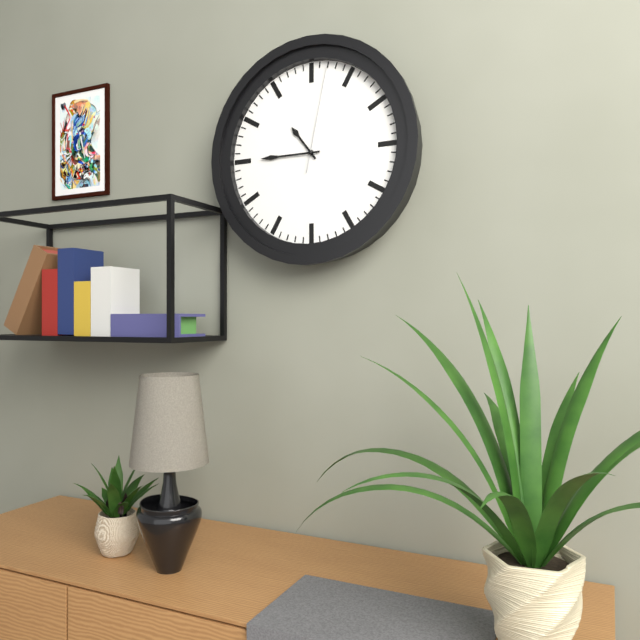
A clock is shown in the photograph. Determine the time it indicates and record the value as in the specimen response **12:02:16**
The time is **10:45:02**
